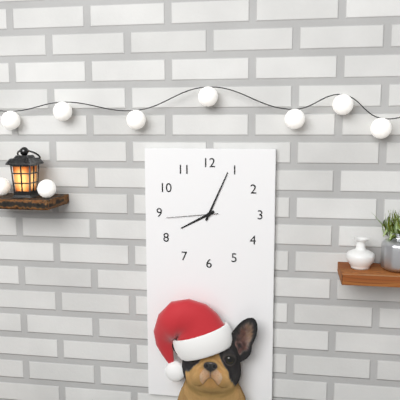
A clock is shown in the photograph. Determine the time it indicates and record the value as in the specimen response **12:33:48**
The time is **8:04:44**
